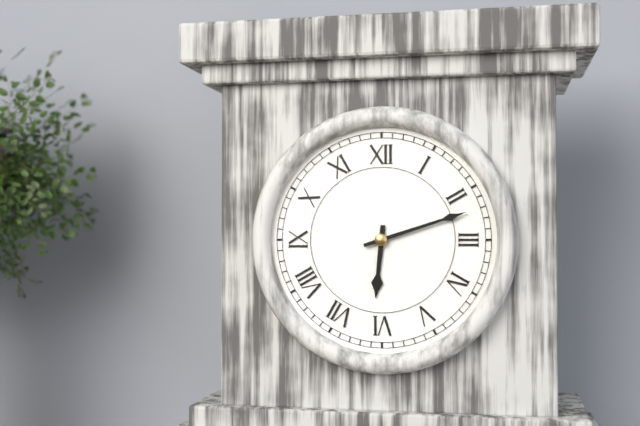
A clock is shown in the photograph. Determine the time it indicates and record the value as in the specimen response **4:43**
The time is **6:12**
